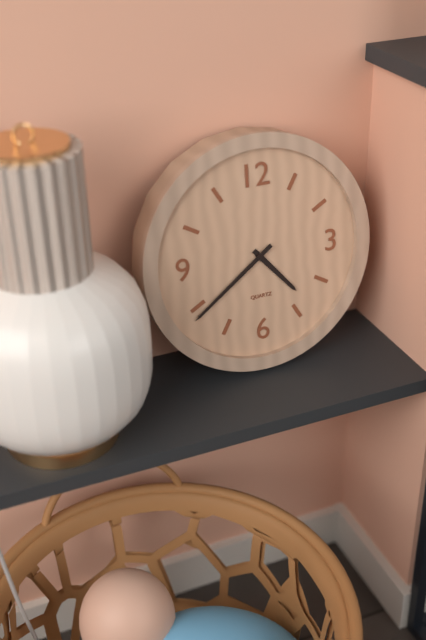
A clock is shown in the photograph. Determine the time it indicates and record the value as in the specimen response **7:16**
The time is **4:39**
